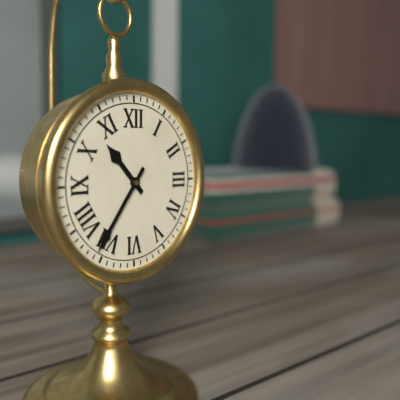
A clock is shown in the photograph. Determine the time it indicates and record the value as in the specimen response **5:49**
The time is **10:36**
